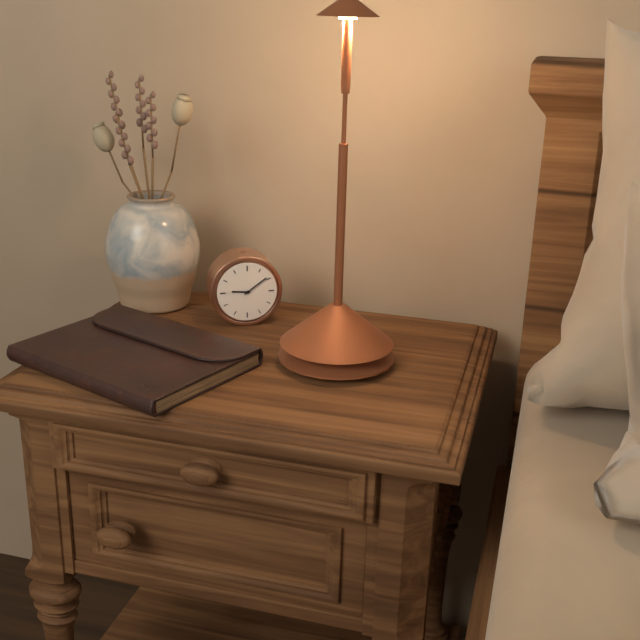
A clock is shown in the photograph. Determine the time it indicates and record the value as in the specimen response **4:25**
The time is **9:09**
